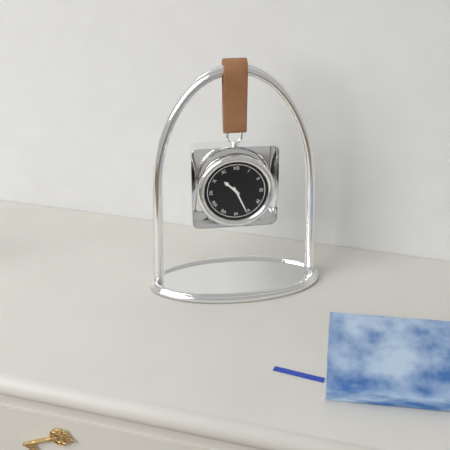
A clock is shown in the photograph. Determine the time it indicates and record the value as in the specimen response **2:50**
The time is **10:26**
